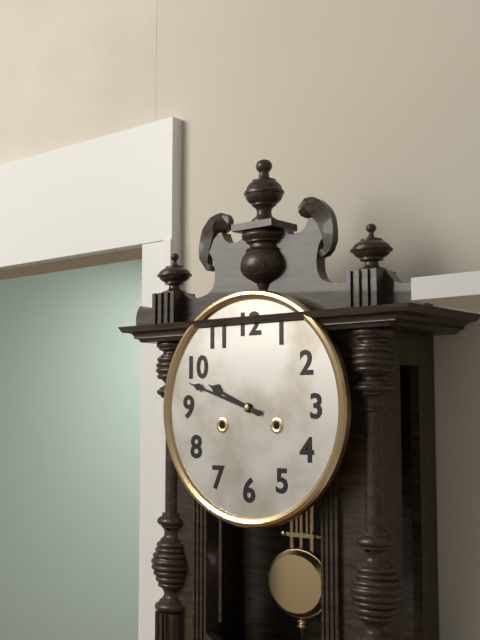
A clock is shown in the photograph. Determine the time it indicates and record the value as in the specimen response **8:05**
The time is **9:48**
